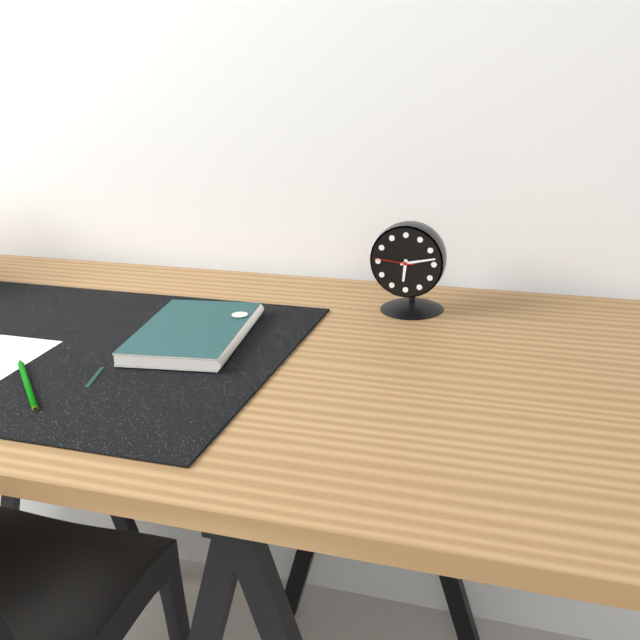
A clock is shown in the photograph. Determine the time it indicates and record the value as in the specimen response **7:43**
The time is **6:13**
